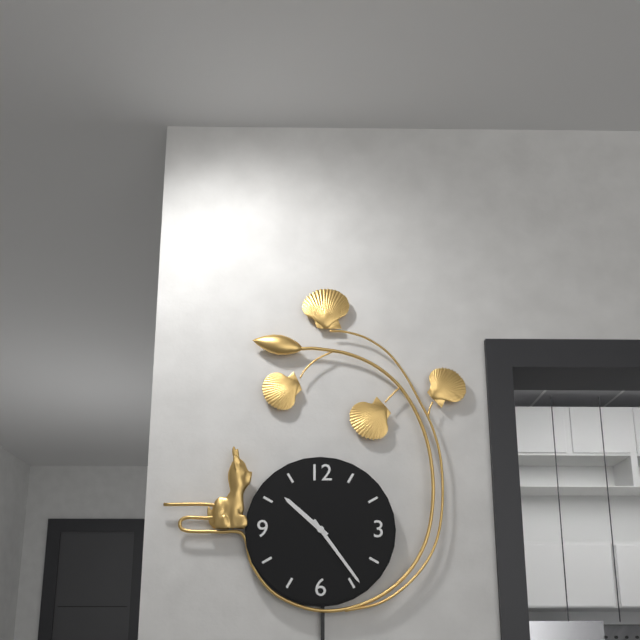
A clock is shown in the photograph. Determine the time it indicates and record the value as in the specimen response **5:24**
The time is **10:24**
